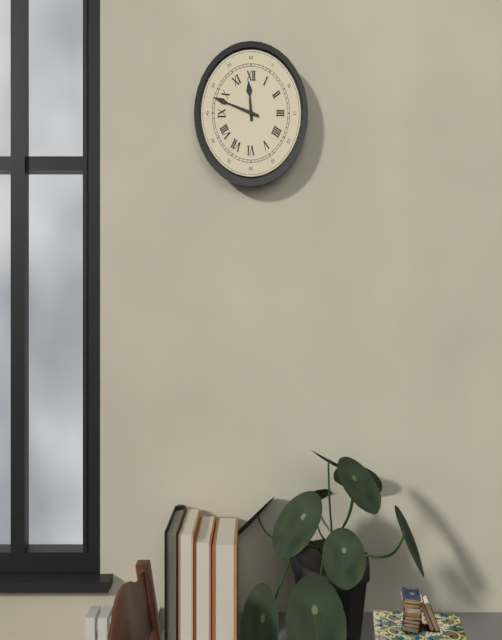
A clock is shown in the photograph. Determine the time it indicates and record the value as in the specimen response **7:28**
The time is **11:48**
